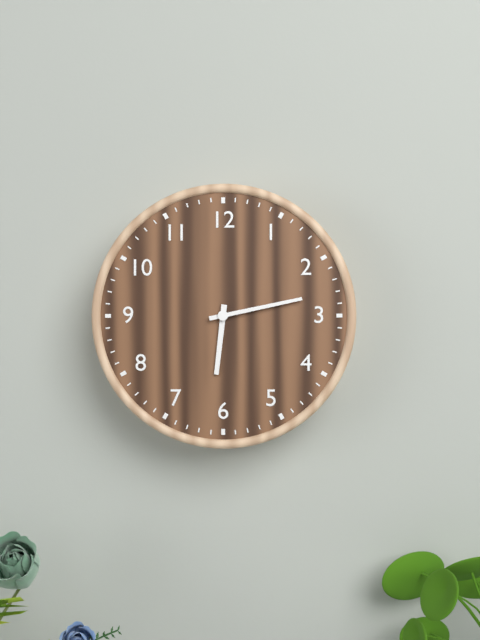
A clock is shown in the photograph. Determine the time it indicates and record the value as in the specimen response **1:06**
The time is **6:13**
